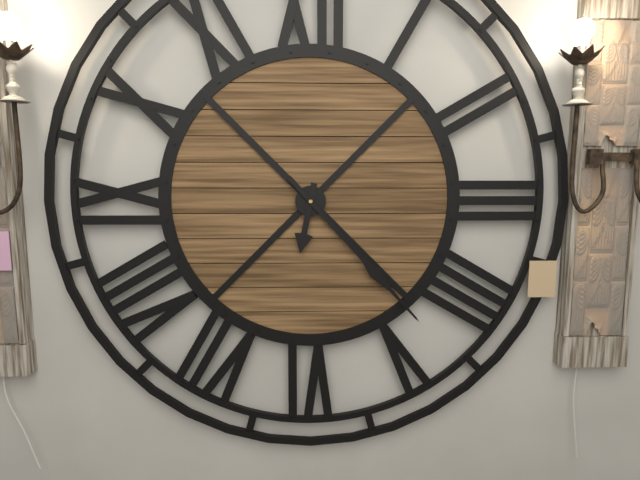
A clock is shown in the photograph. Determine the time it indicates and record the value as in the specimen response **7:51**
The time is **6:23**
